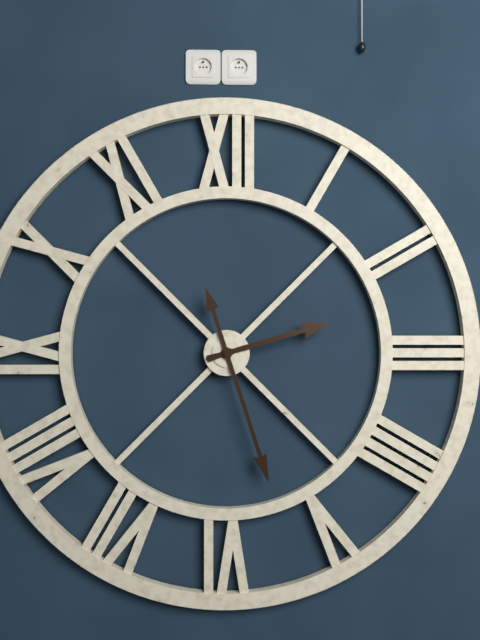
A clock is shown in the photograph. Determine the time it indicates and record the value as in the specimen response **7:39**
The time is **2:27**
